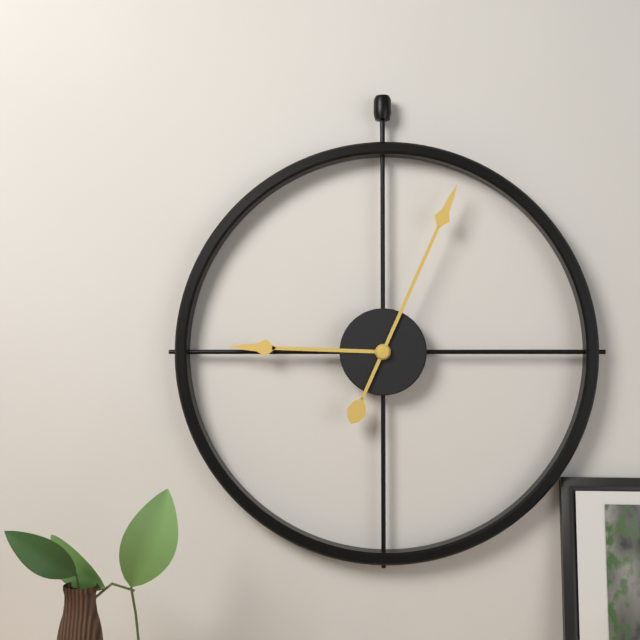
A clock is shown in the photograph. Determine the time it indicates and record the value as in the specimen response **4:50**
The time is **9:04**
